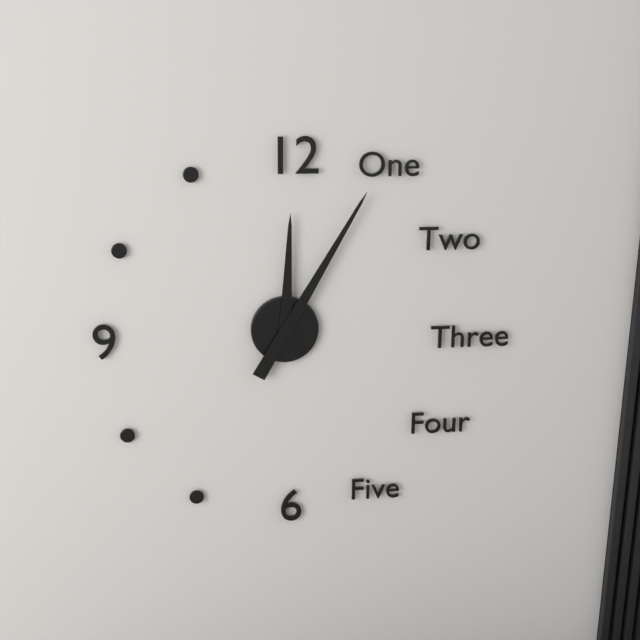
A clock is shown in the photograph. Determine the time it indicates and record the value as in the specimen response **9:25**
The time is **12:05**
